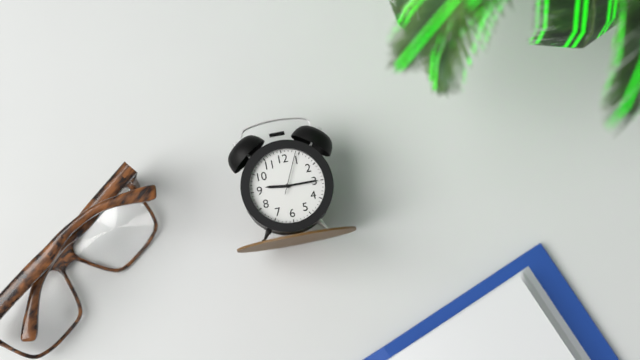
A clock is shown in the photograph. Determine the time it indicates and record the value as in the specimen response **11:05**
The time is **9:15**
